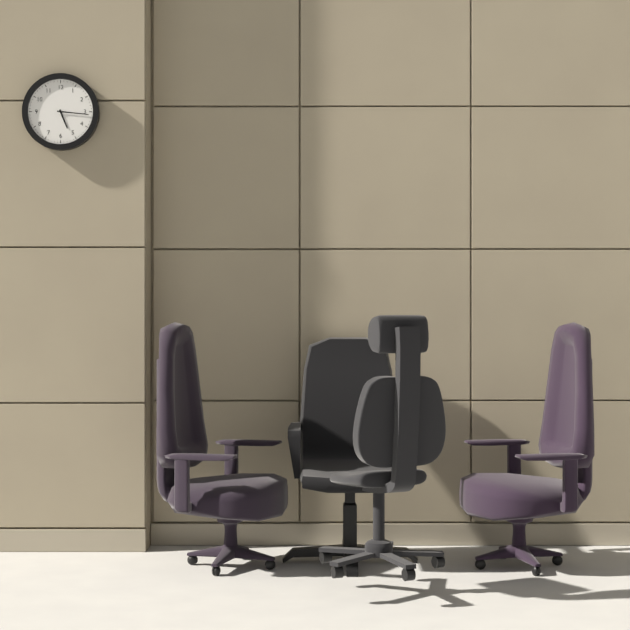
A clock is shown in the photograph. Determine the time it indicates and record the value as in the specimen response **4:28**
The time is **5:16**
